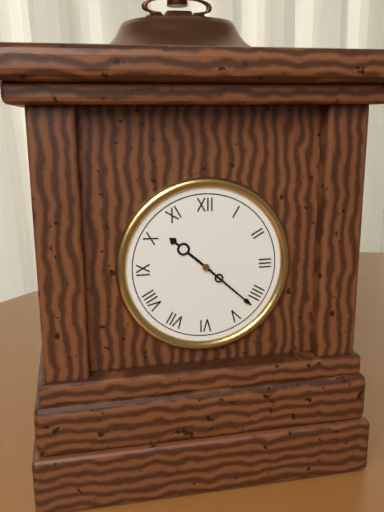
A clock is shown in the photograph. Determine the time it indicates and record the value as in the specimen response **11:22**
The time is **10:22**
